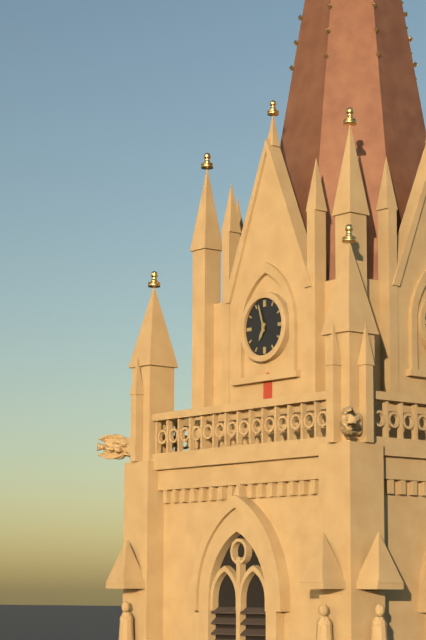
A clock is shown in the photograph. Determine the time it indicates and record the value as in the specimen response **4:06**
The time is **6:57**
